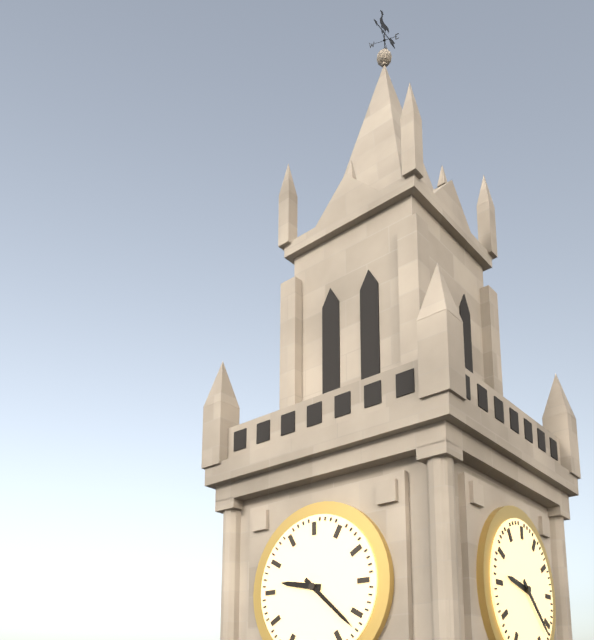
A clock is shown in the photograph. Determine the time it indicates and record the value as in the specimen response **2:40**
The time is **9:22**
